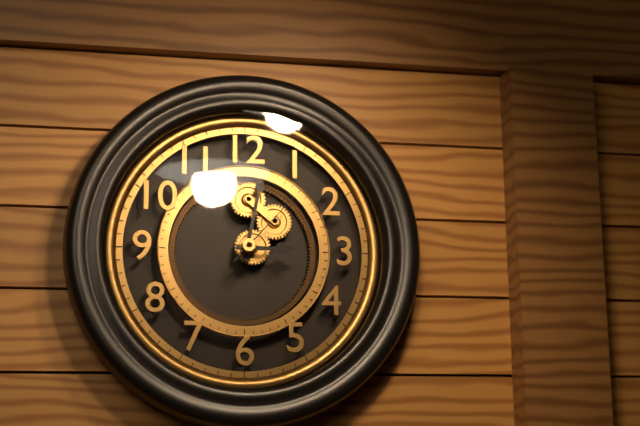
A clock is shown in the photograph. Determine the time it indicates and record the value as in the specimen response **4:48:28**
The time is **3:02:07**
